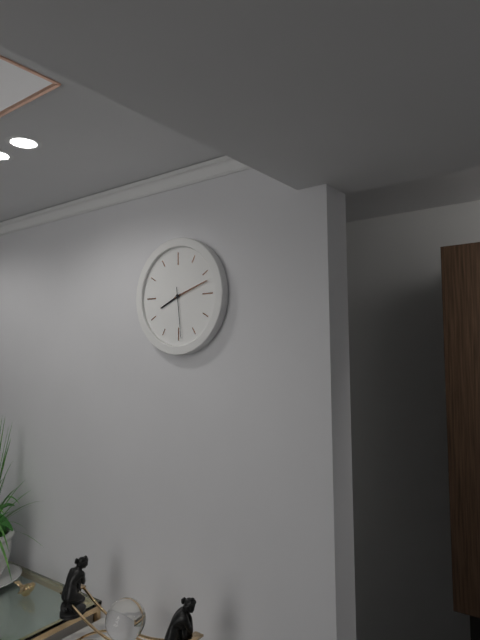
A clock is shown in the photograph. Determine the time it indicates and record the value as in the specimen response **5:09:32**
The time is **8:12:29**
